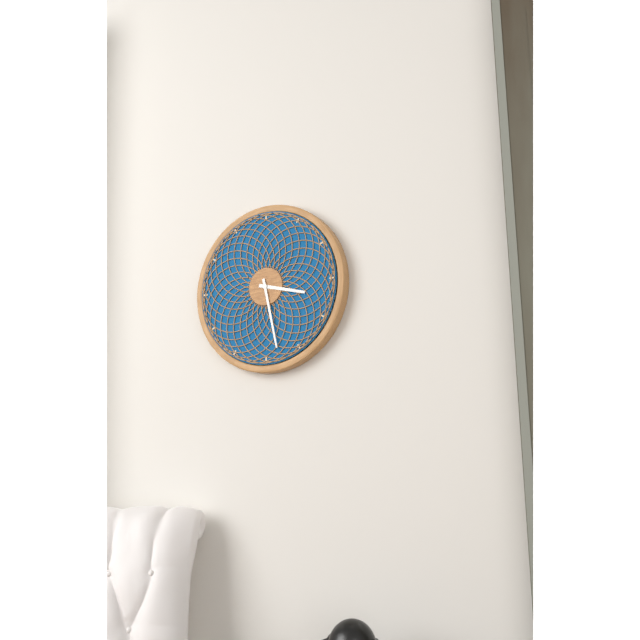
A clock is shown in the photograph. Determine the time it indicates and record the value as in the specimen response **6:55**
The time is **3:28**
